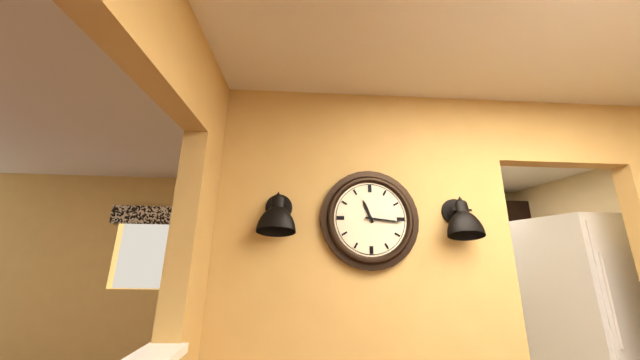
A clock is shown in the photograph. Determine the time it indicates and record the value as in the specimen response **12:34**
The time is **11:16**
